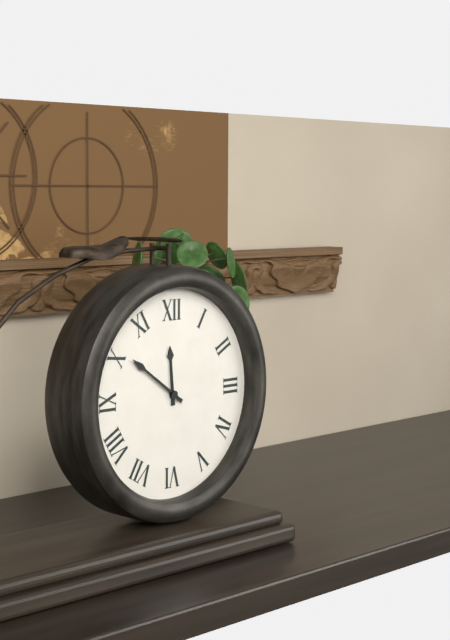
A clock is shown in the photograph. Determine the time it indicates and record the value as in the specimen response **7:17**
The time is **11:51**
